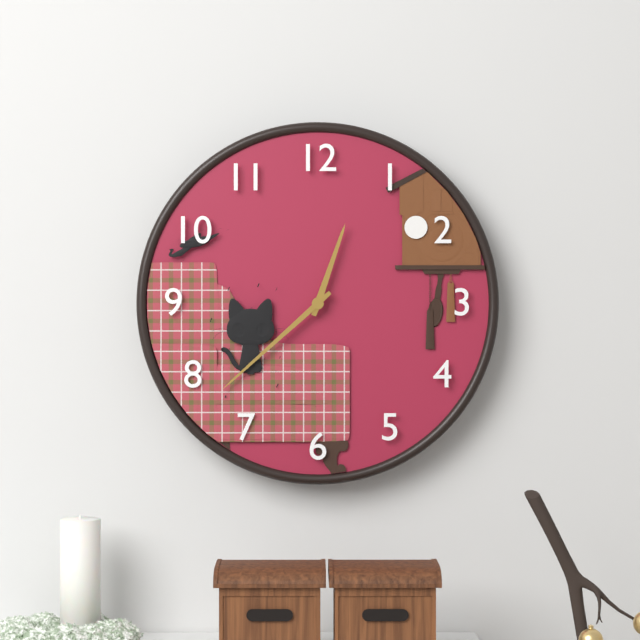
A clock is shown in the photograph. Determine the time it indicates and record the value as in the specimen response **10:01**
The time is **12:38**
